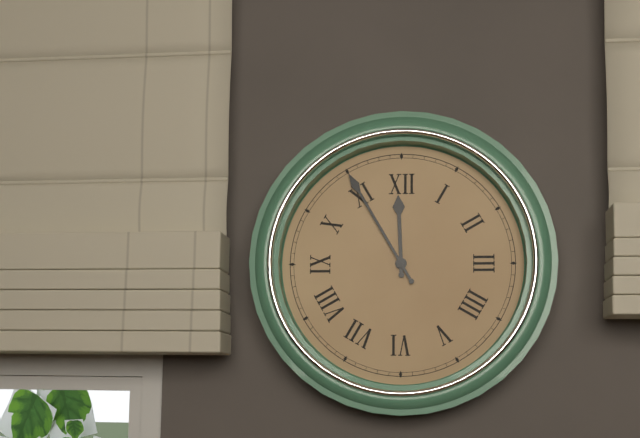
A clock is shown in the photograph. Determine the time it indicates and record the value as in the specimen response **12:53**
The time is **11:55**
